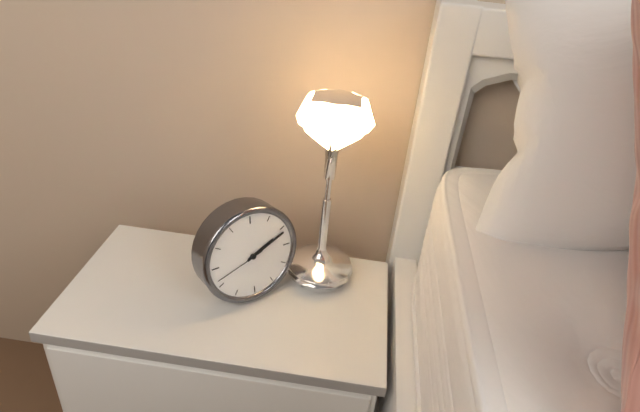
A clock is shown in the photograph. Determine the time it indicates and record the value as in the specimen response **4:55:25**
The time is **2:11:42**
